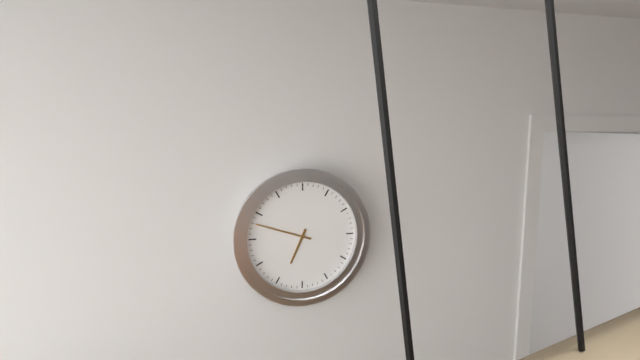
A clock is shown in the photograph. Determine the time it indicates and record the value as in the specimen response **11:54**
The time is **6:48**
